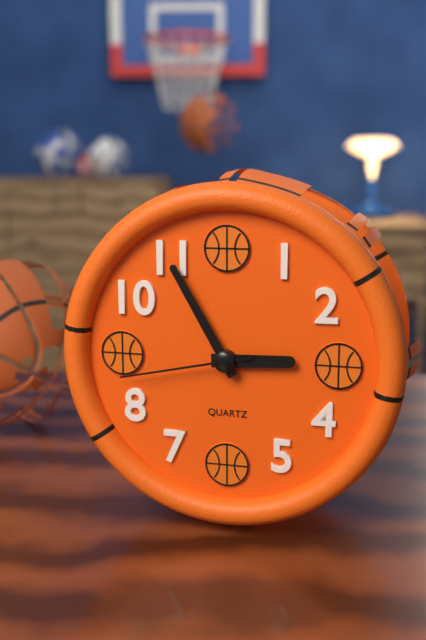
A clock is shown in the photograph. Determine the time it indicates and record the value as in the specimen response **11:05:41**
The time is **2:55:43**
